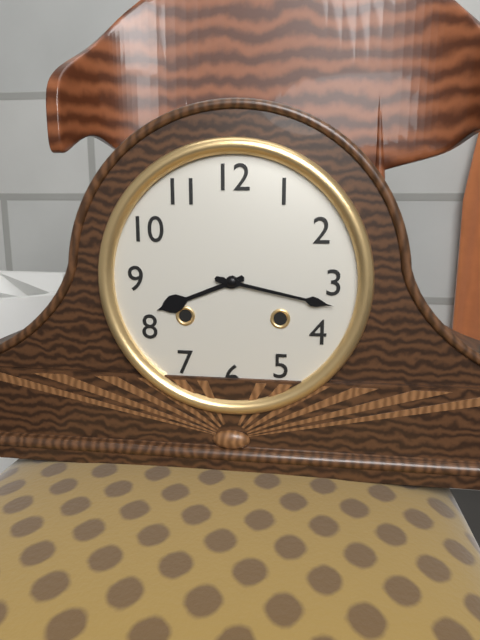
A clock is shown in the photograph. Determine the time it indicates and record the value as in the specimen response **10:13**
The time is **8:17**
